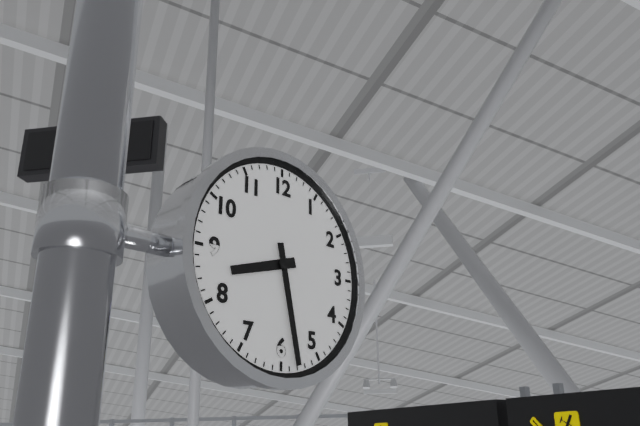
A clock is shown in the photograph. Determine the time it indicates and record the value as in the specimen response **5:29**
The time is **8:28**
